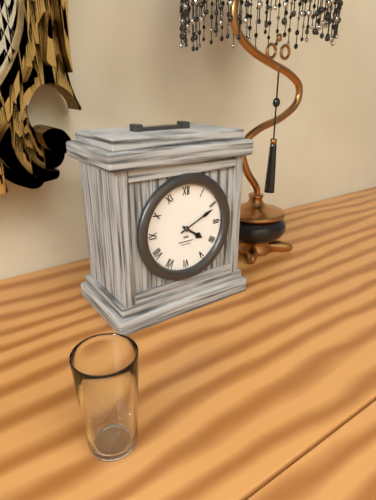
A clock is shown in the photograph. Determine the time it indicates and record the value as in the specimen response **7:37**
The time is **4:11**
